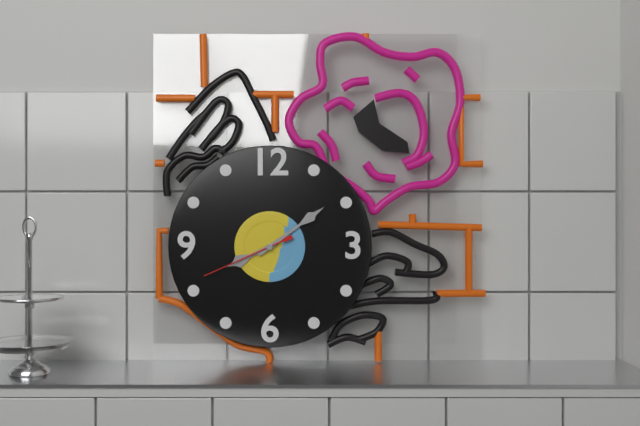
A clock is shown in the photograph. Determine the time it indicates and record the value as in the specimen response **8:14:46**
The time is **8:09:41**
